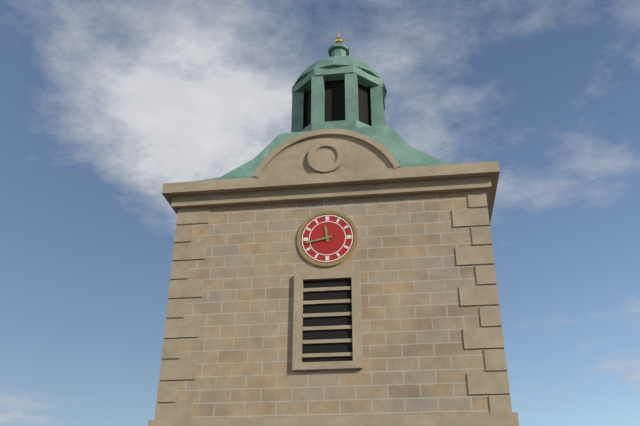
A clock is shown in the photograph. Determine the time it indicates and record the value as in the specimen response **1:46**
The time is **11:43**
